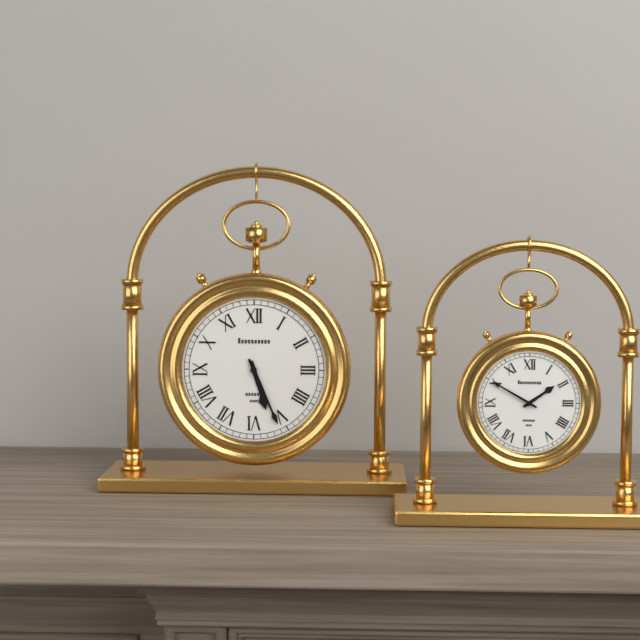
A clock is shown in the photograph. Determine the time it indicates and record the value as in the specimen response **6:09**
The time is **5:26**
